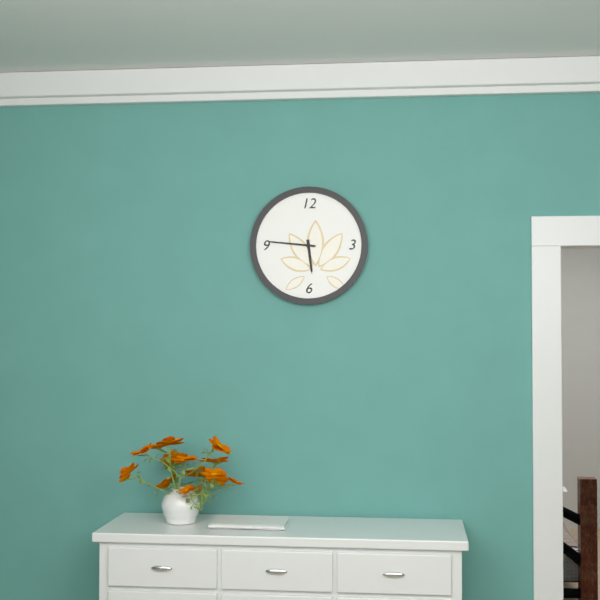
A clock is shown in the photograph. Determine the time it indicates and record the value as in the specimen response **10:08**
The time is **5:46**
